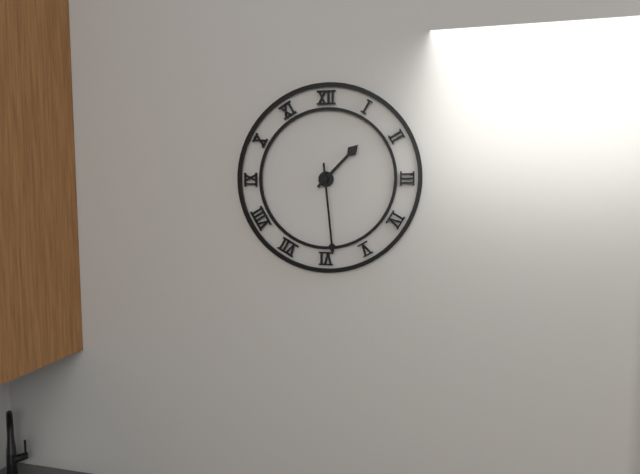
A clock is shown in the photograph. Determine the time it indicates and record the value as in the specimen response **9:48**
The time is **1:29**
